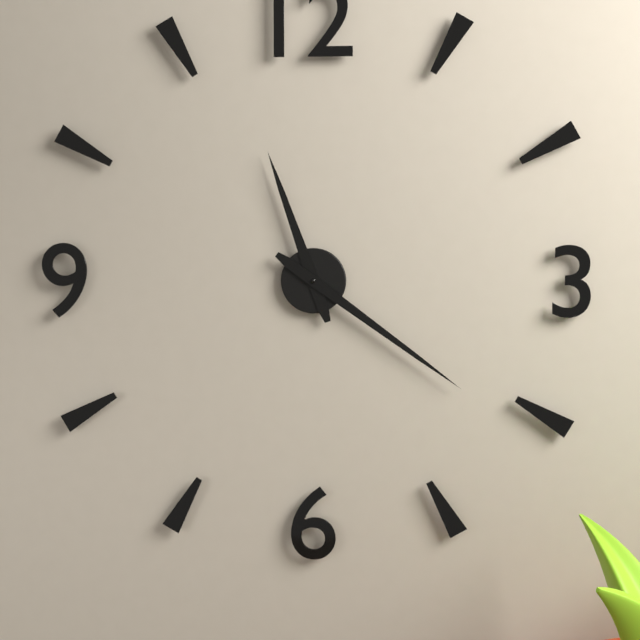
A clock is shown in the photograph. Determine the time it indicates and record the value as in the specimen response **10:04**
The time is **11:21**
